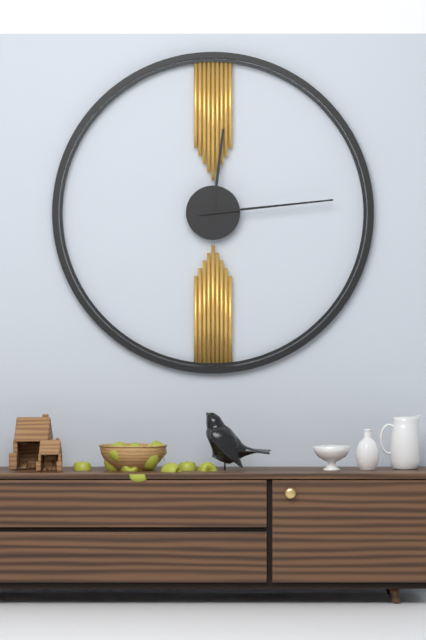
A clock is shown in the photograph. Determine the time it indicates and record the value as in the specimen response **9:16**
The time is **12:14**
